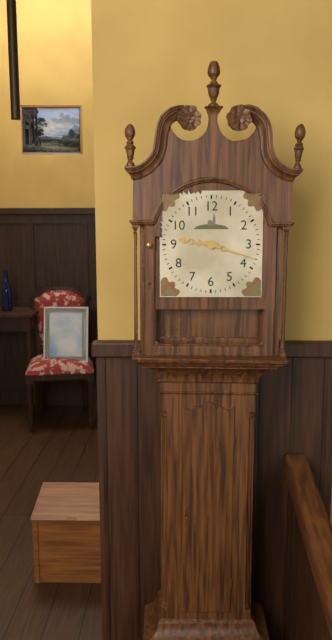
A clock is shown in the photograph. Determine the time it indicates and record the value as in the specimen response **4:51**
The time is **9:18**
